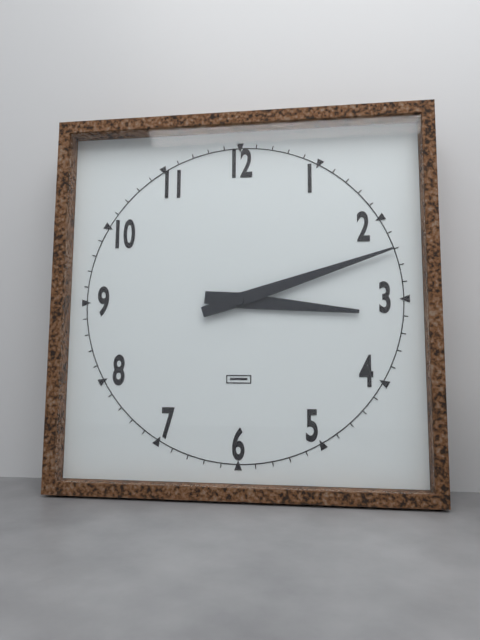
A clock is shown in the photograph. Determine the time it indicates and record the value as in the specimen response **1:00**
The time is **3:12**
